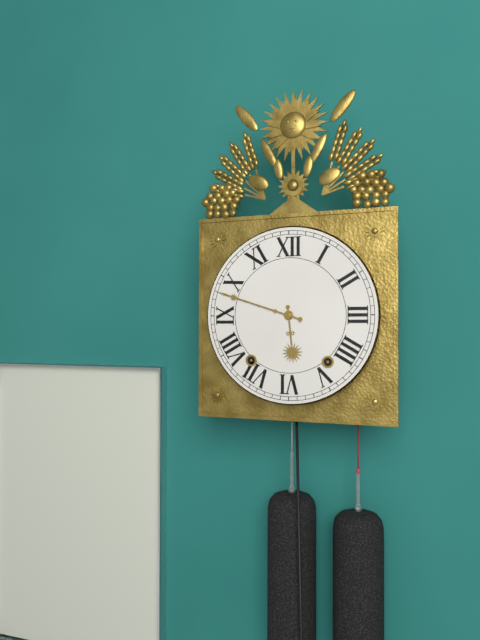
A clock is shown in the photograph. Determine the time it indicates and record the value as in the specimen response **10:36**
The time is **5:48**
